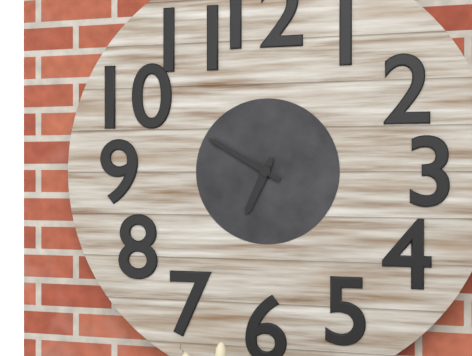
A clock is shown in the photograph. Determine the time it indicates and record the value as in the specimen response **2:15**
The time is **6:50**
